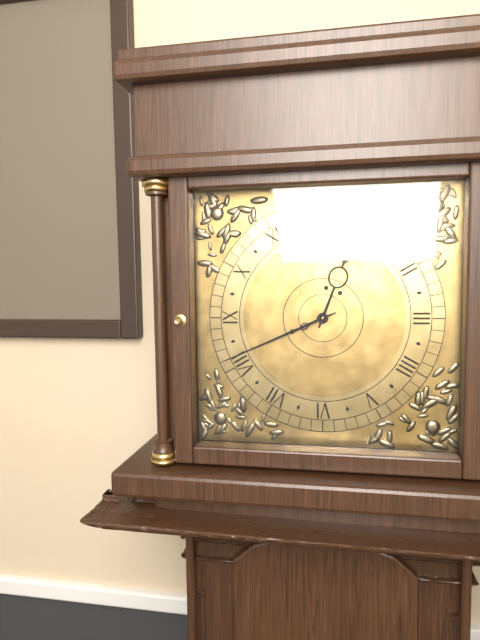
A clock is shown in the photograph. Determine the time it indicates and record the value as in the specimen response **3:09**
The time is **12:41**
